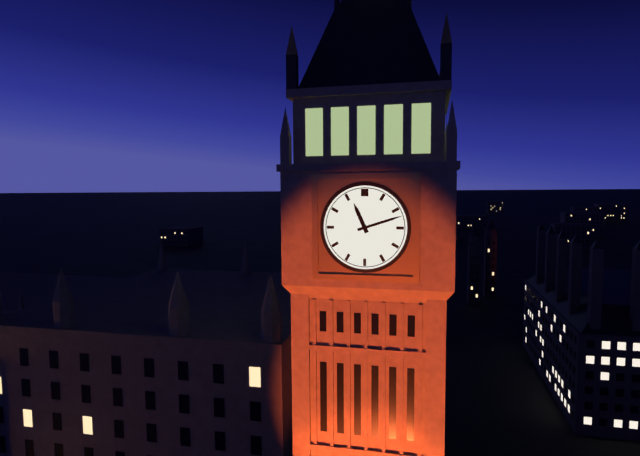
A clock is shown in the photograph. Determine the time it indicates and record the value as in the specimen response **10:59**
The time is **11:12**
